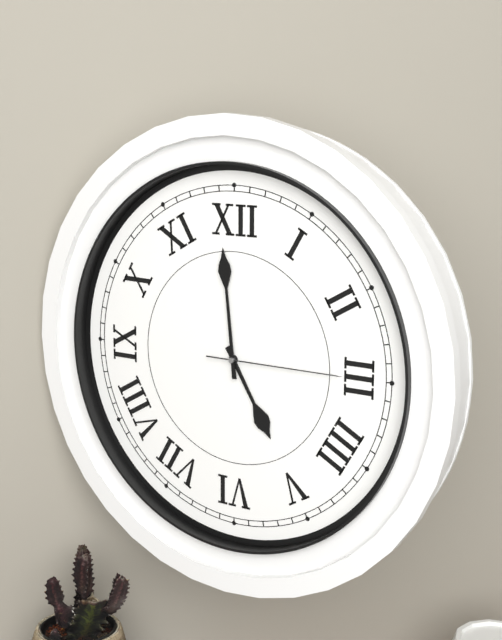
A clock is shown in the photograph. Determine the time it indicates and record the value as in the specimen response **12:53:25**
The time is **4:59:15**
